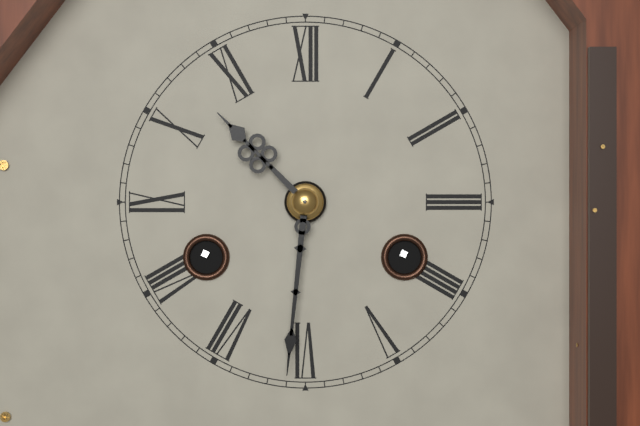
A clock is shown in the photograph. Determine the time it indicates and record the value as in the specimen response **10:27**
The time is **10:31**
